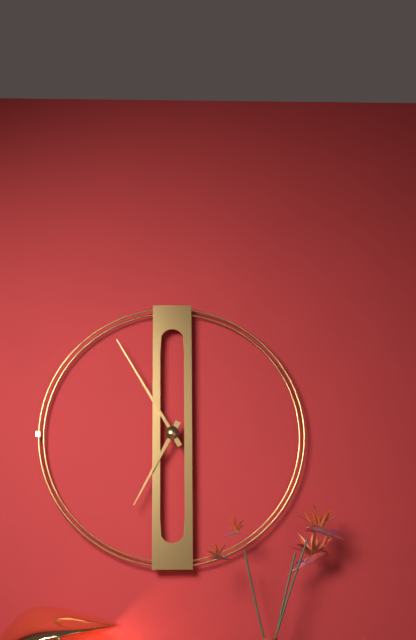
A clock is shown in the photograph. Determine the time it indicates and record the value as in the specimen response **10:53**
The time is **6:55**
